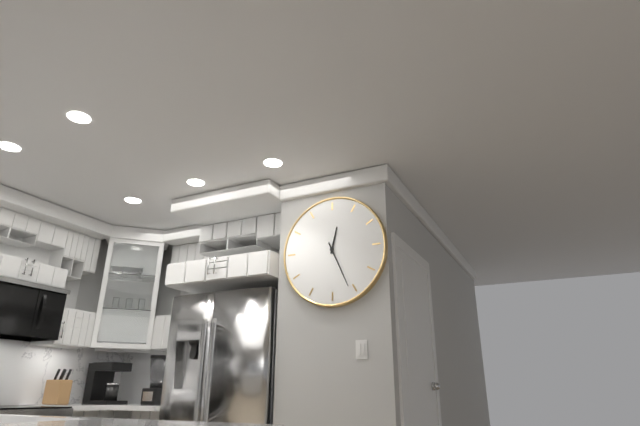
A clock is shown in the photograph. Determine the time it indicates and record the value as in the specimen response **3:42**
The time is **12:26**
